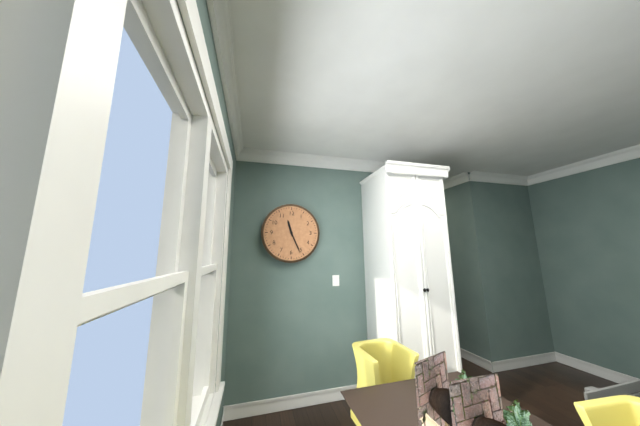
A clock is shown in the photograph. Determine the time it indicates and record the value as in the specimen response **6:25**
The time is **11:26**
